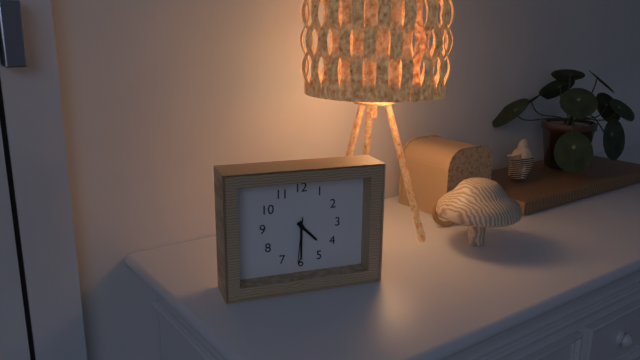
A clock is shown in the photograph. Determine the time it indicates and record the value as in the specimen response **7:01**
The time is **4:30**
